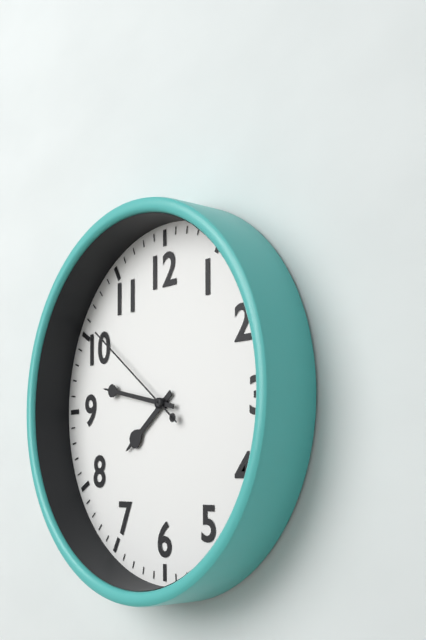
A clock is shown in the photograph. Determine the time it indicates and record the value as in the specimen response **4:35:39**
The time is **7:47:51**
